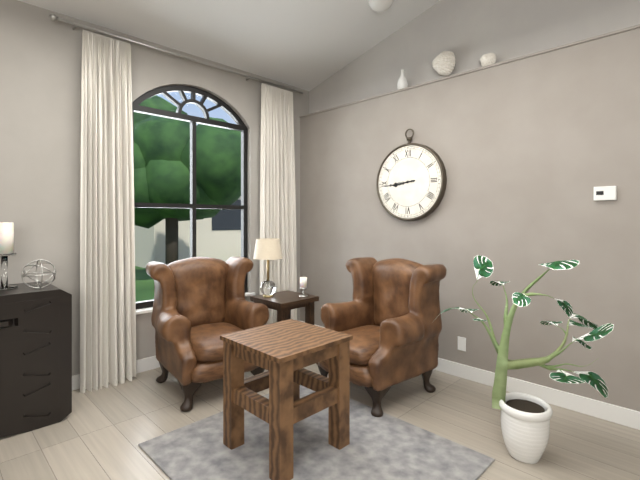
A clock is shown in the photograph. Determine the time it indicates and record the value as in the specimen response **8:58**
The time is **8:44**
